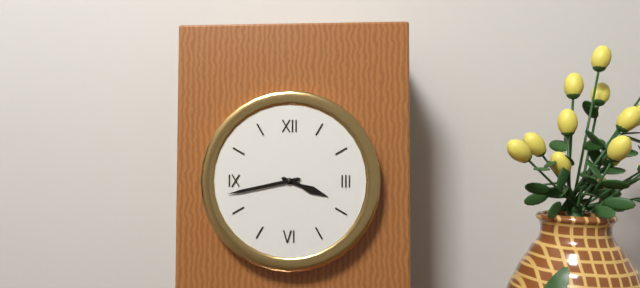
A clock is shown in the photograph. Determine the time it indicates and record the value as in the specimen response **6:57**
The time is **3:43**
